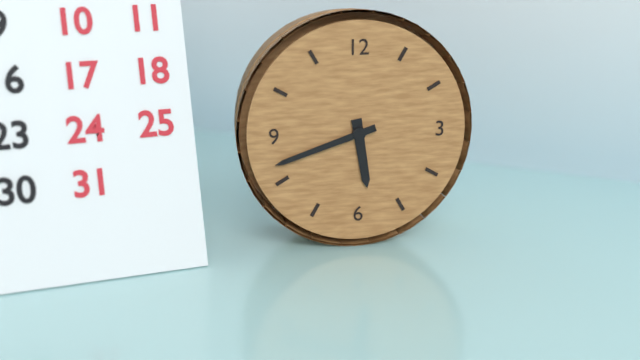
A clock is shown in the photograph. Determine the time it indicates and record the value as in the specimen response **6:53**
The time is **5:42**
